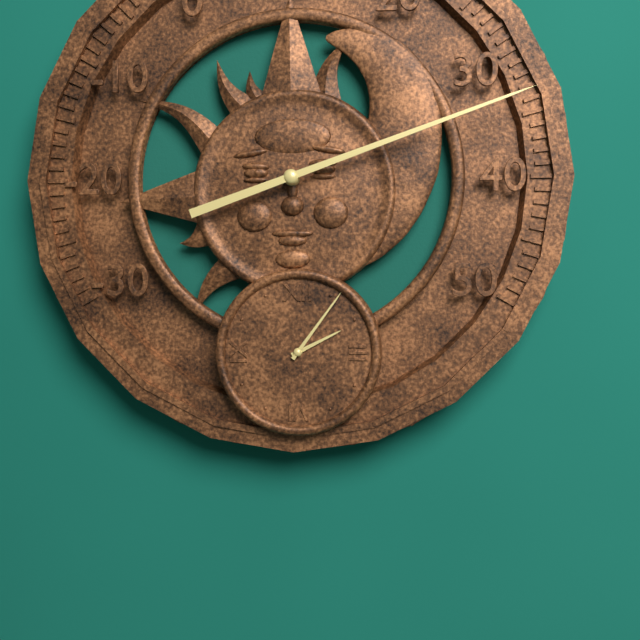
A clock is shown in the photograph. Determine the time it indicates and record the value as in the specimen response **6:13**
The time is **2:06**
